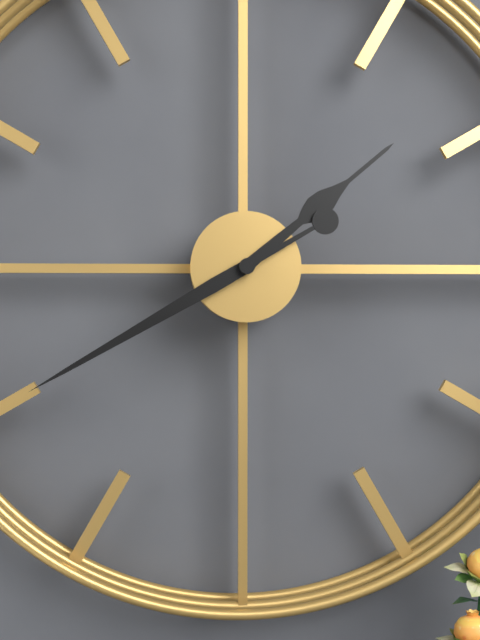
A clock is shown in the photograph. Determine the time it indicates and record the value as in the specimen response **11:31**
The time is **1:40**
